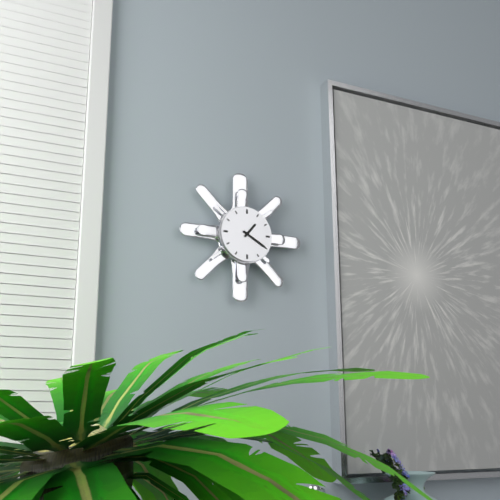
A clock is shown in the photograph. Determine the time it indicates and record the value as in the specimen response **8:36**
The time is **1:20**
